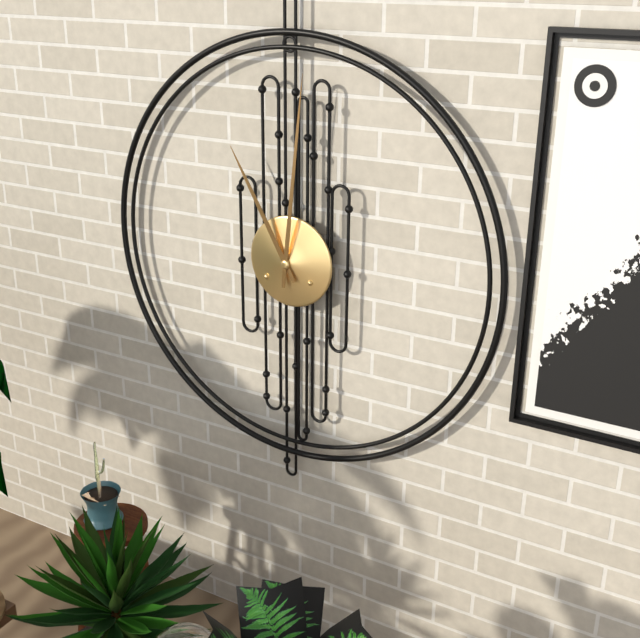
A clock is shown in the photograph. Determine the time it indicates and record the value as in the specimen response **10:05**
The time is **11:01**
